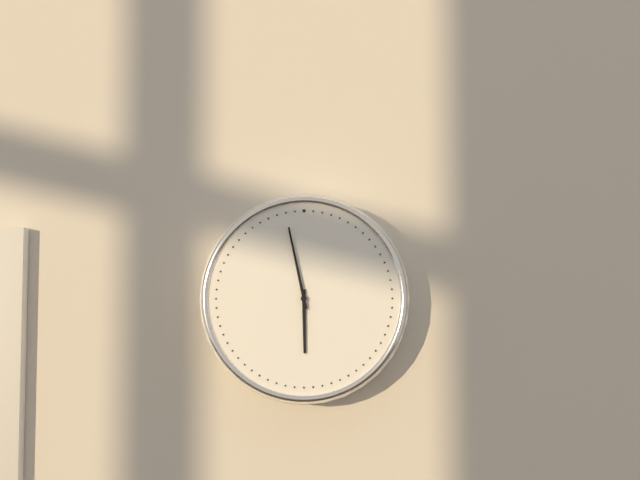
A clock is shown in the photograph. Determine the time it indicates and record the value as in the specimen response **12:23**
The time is **5:58**
